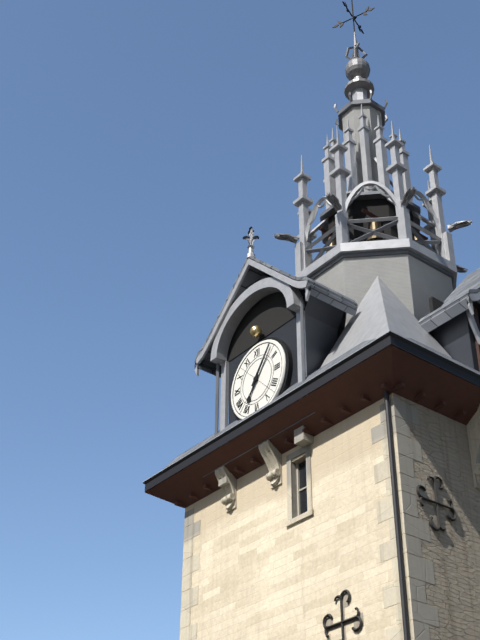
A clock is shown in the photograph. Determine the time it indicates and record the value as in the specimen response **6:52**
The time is **7:06**
